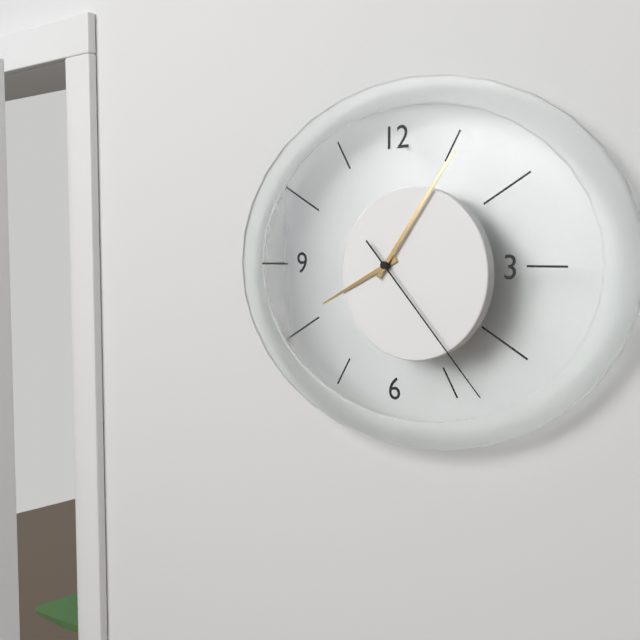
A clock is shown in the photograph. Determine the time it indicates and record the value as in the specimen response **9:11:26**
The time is **8:06:23**
